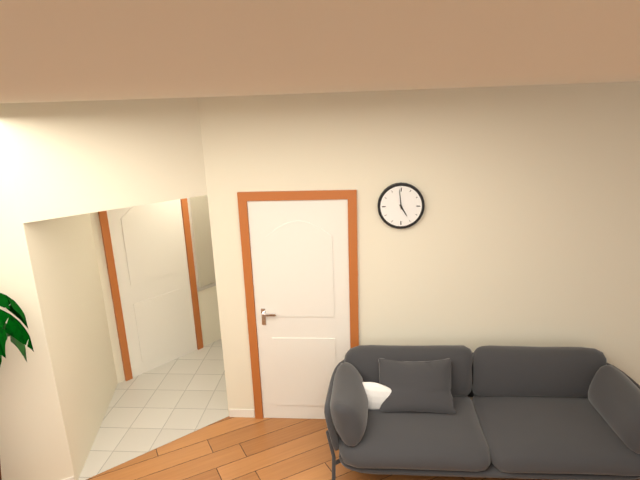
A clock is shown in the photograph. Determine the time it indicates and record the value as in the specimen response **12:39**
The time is **4:59**
